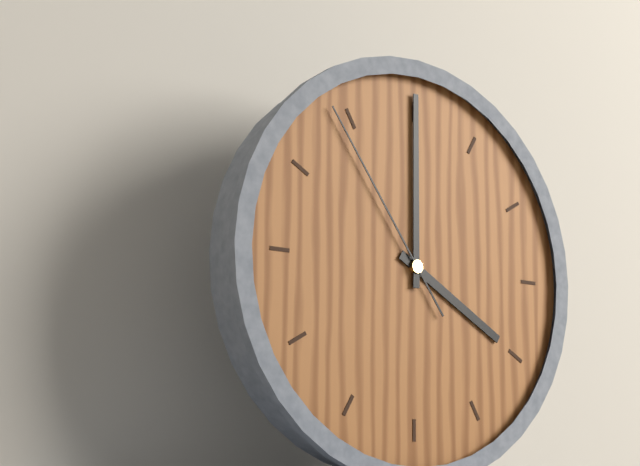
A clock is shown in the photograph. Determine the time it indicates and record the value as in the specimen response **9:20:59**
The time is **4:00:54**
